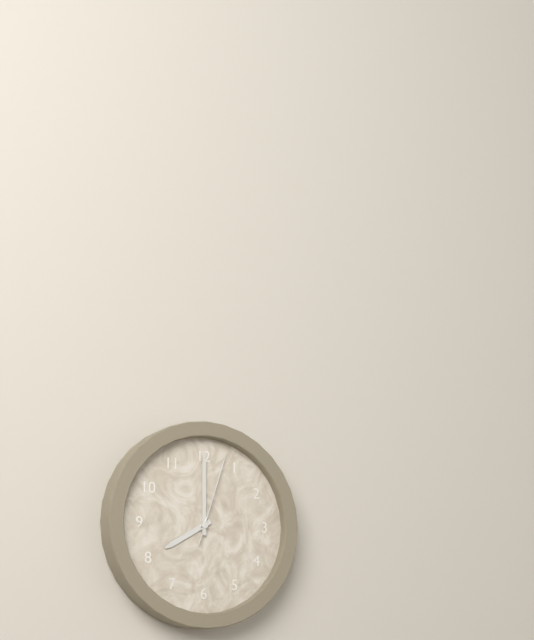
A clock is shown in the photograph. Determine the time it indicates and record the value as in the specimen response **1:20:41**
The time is **8:00:03**
